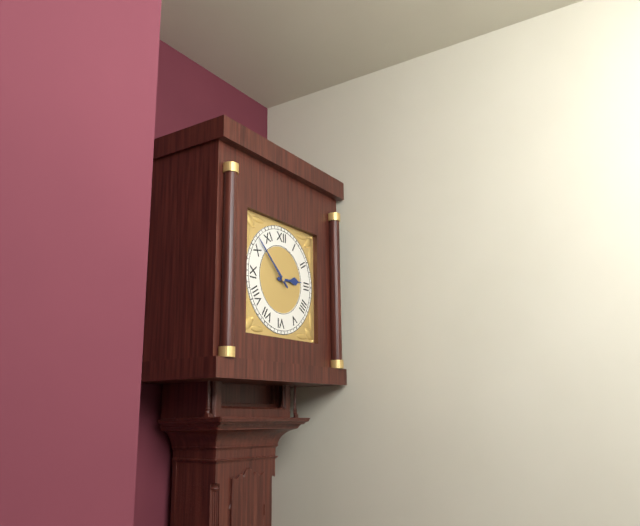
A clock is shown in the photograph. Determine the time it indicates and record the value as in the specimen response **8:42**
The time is **2:52**
